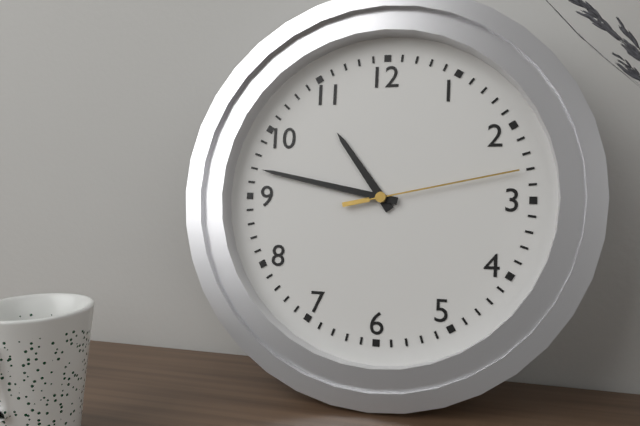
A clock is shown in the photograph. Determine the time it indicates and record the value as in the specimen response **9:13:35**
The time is **10:47:13**
